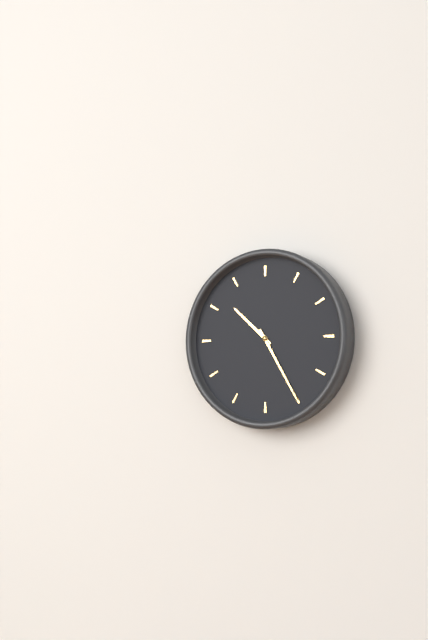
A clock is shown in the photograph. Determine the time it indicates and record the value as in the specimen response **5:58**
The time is **10:25**
